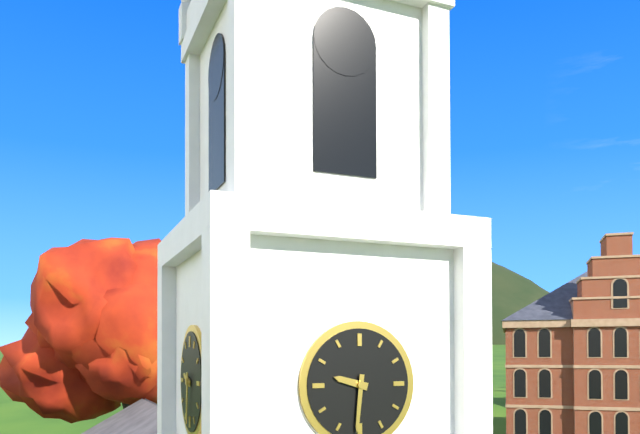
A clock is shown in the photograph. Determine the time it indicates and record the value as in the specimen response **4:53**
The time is **9:31**
